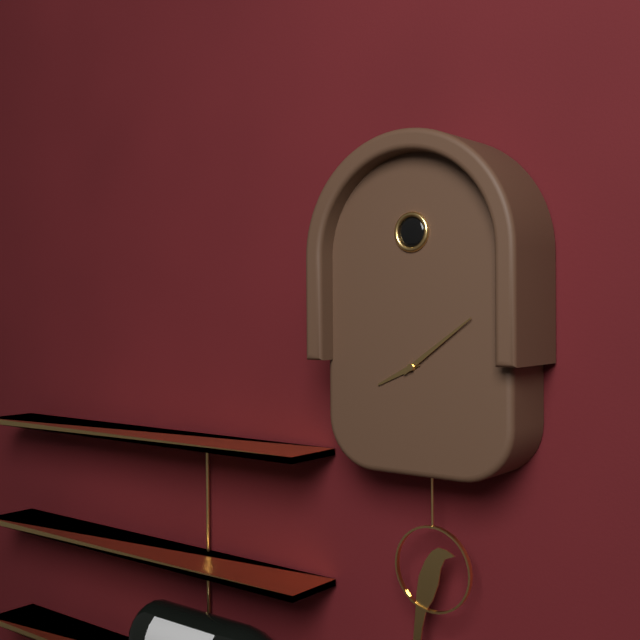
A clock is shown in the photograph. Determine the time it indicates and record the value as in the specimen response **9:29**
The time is **8:09**
